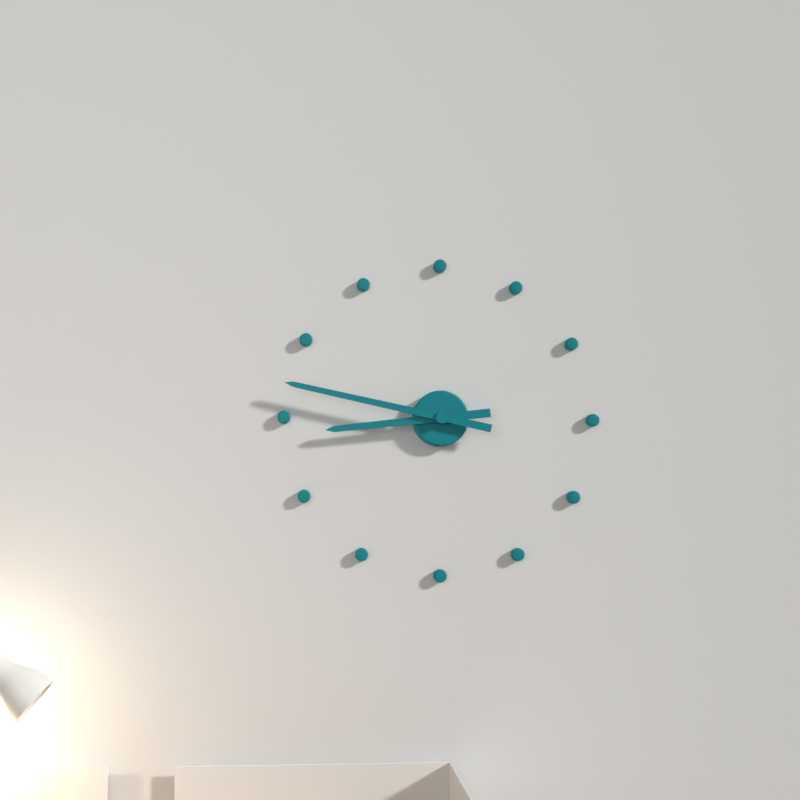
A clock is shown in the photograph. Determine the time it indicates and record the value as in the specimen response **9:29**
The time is **8:47**
